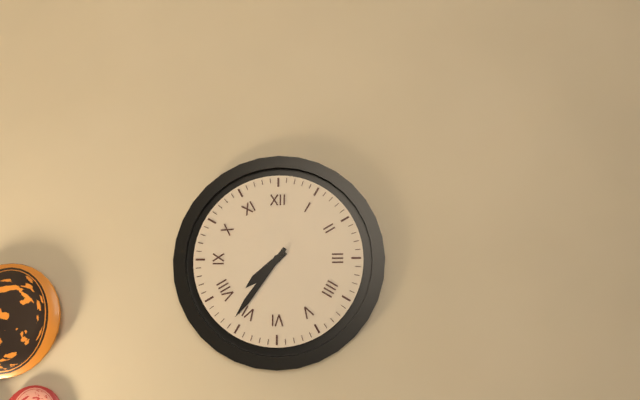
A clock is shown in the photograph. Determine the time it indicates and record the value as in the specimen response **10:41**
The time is **7:36**
